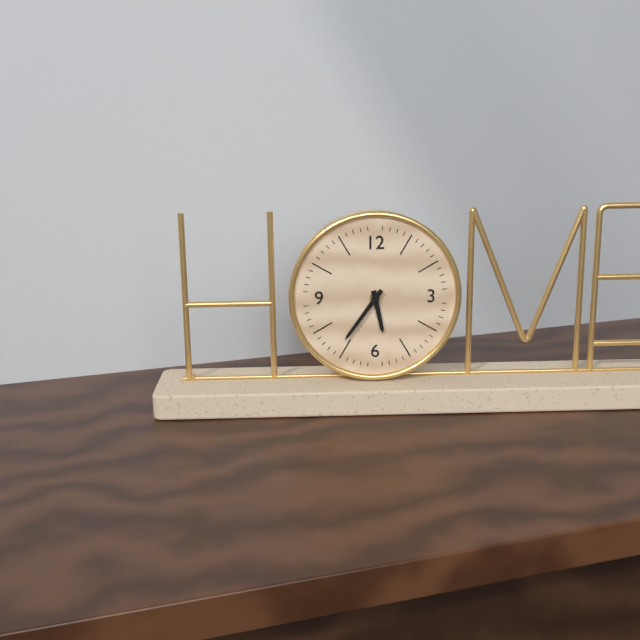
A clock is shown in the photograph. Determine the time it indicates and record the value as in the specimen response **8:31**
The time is **5:36**
